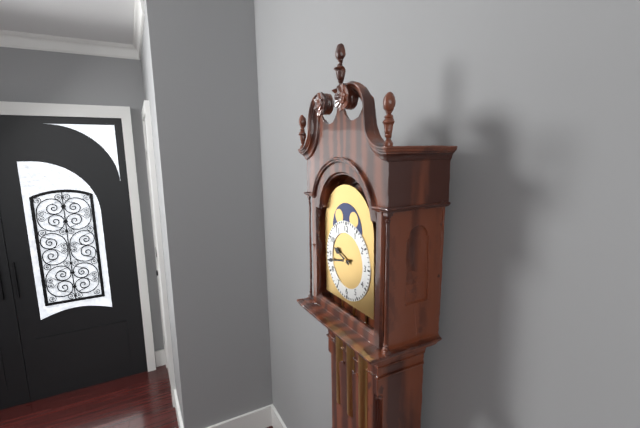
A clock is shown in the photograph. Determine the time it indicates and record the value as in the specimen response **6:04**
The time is **9:43**
